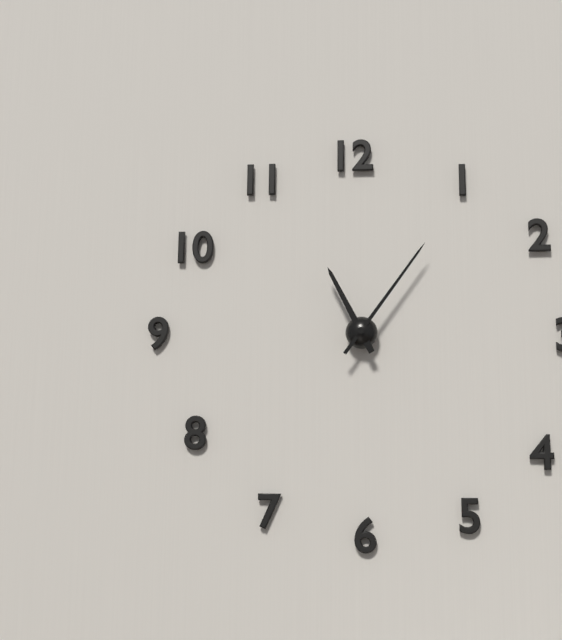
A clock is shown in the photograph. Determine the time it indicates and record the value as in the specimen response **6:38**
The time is **11:06**
